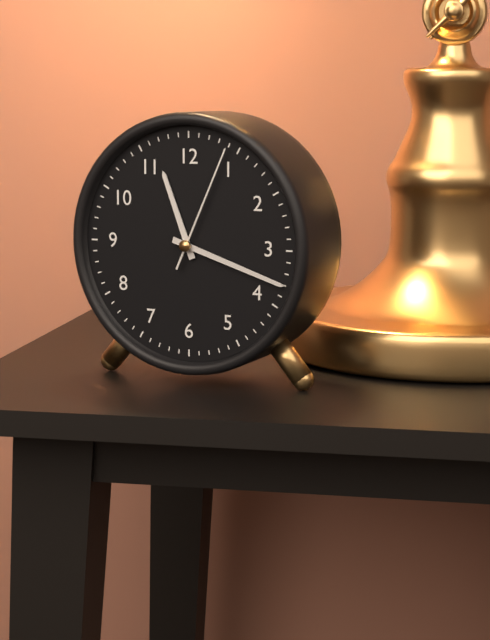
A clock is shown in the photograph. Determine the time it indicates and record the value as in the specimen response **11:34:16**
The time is **11:18:04**
